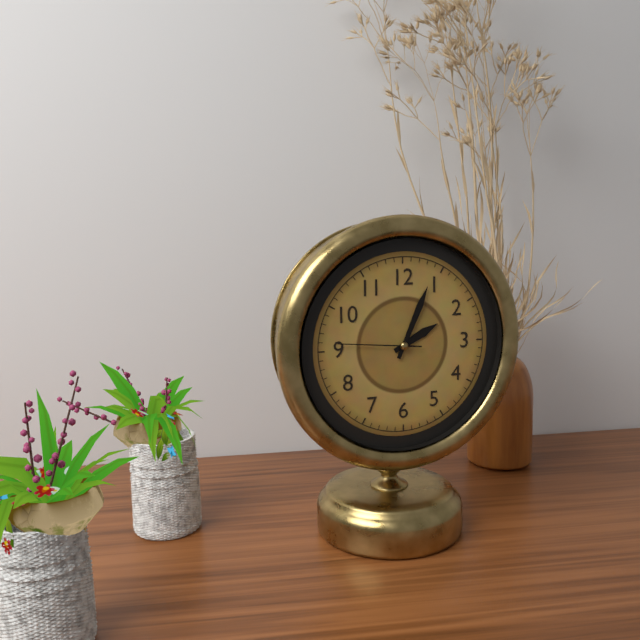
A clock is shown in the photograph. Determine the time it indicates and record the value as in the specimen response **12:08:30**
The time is **2:04:46**
